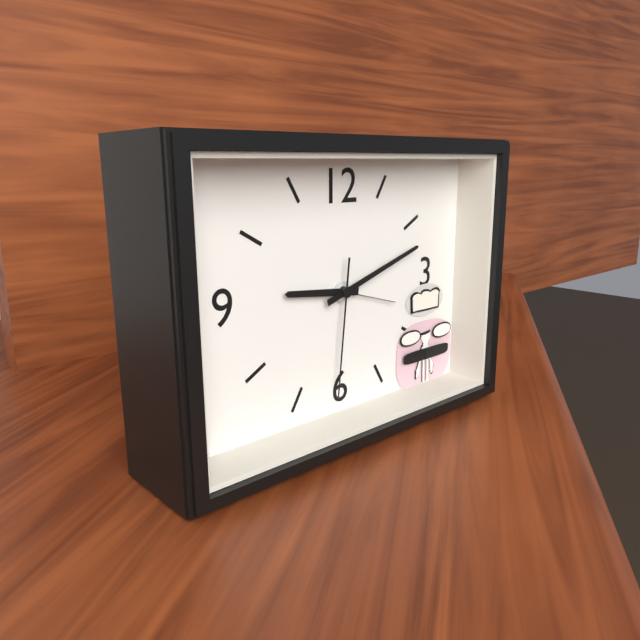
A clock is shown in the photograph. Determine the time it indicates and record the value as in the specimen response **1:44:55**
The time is **9:12:31**
